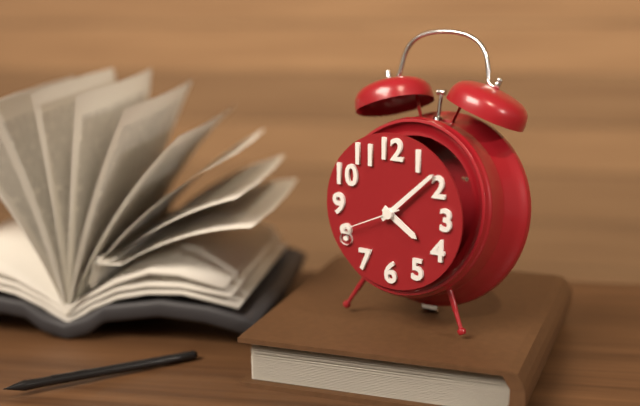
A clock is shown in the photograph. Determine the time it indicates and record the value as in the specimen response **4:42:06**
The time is **4:08:41**
